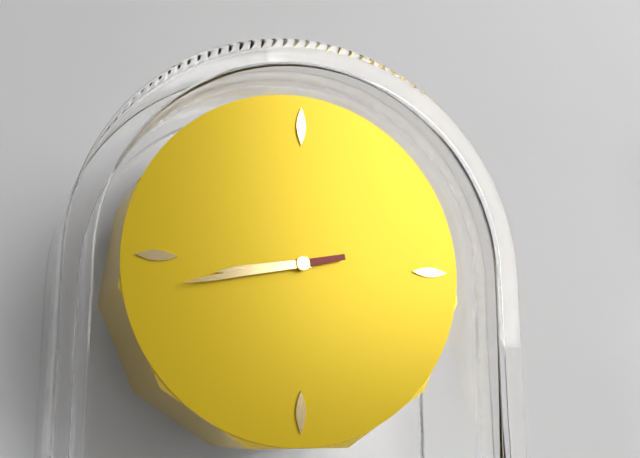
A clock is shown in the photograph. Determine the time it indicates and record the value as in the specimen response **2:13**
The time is **8:43**
